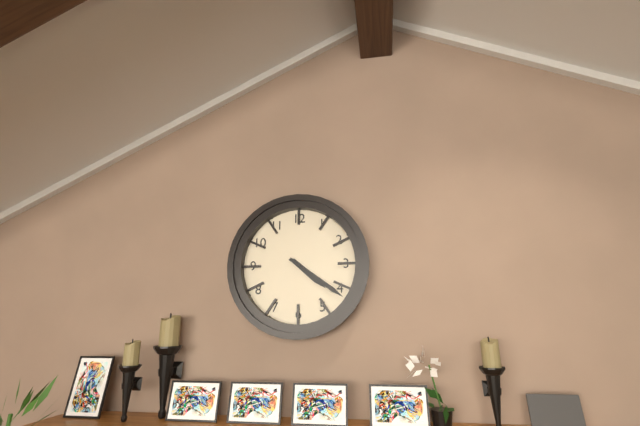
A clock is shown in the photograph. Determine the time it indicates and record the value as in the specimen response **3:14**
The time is **4:21**
